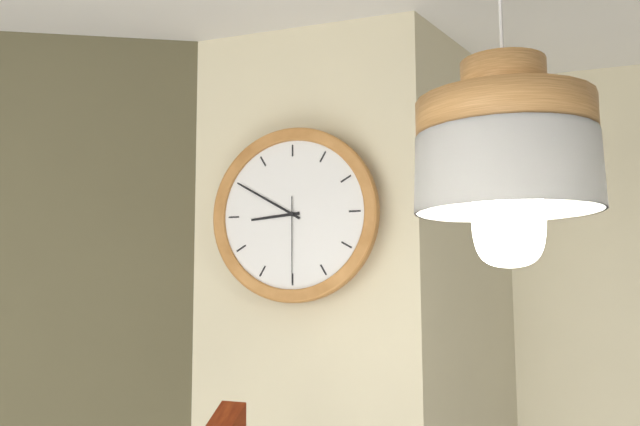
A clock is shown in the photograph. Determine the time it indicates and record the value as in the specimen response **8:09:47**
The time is **8:50:30**
